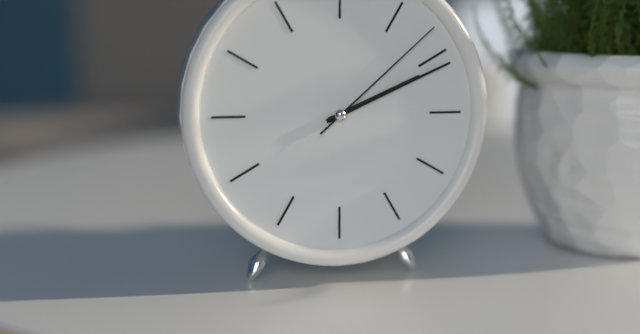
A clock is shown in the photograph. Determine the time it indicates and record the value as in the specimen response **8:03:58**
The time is **2:11:08**
